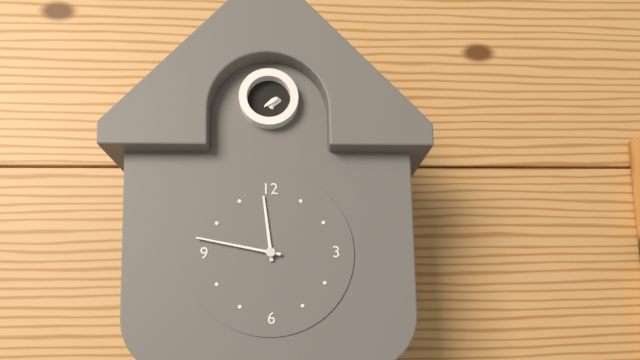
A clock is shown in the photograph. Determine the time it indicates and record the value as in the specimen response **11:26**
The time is **11:47**
